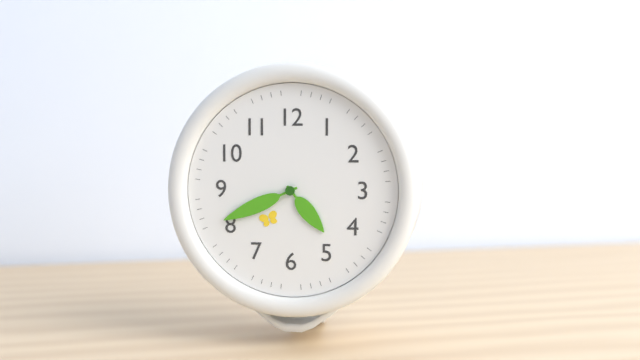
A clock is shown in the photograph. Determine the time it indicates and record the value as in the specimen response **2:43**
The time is **4:41**
